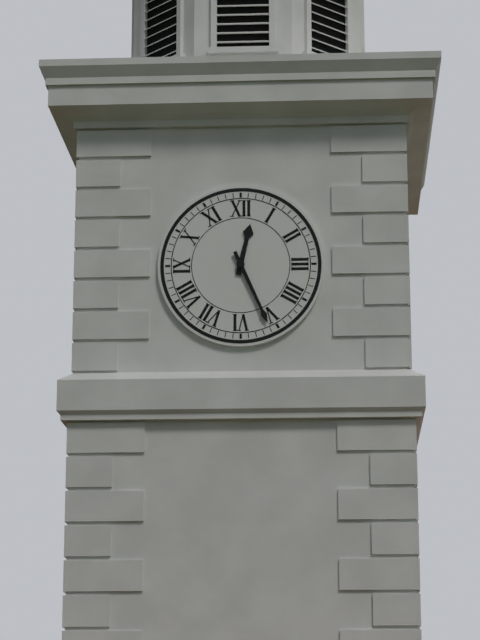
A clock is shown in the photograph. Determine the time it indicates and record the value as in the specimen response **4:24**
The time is **12:26**
